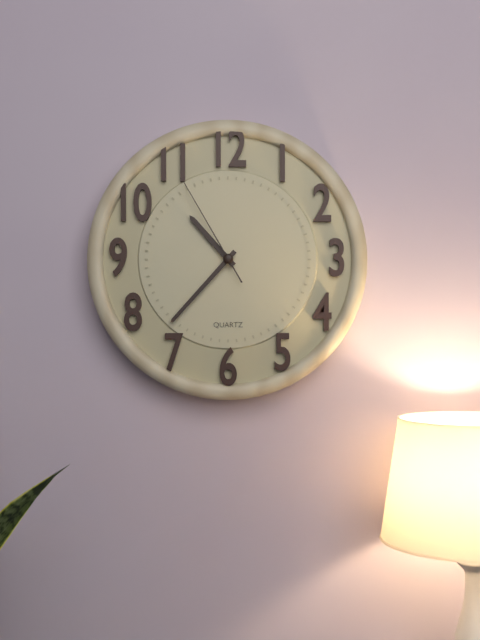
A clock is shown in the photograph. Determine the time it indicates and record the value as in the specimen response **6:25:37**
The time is **10:37:55**
